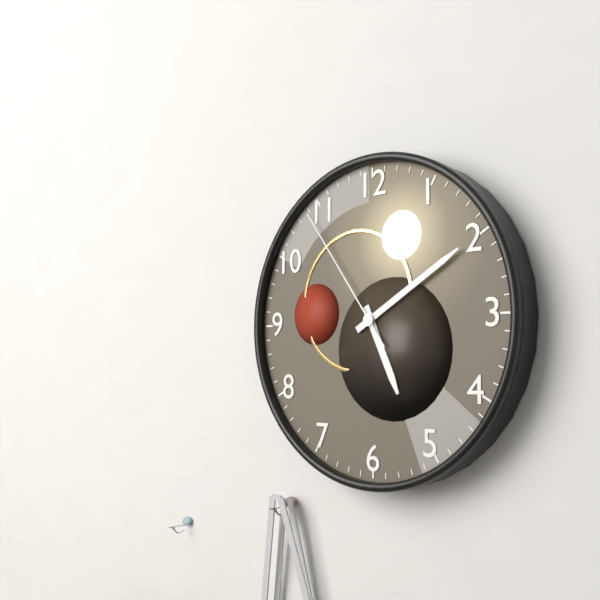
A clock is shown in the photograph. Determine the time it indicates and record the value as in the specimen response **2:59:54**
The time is **5:10:54**
